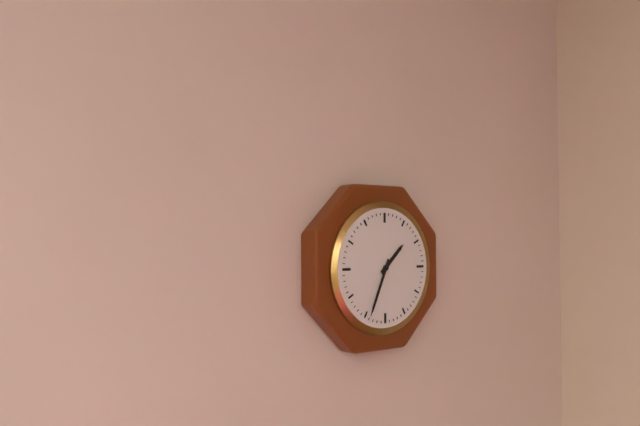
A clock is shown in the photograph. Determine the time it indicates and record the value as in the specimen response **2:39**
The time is **1:34**
